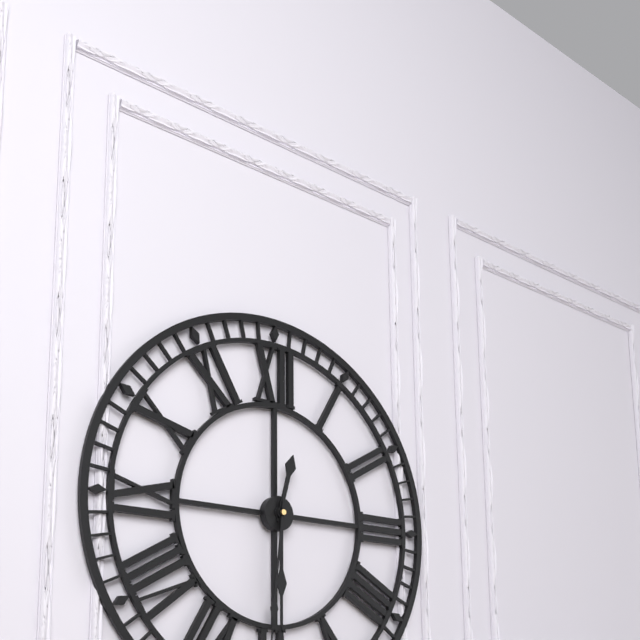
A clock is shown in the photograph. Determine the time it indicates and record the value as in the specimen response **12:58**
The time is **12:30**
